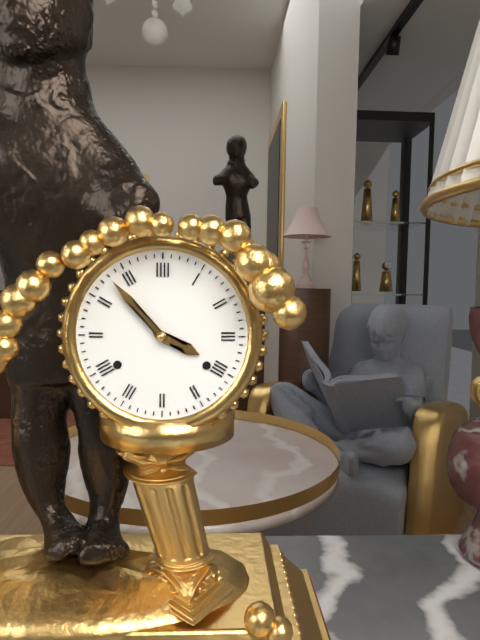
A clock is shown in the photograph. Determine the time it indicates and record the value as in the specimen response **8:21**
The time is **3:53**
